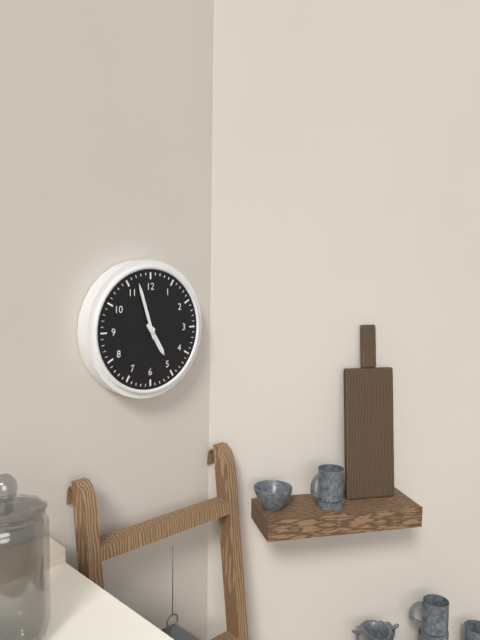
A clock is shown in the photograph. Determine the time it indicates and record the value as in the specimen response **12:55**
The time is **4:57**
